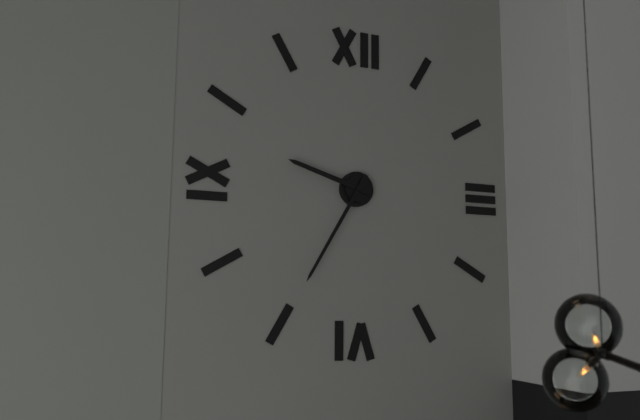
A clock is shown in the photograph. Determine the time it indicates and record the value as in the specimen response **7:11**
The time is **9:35**
